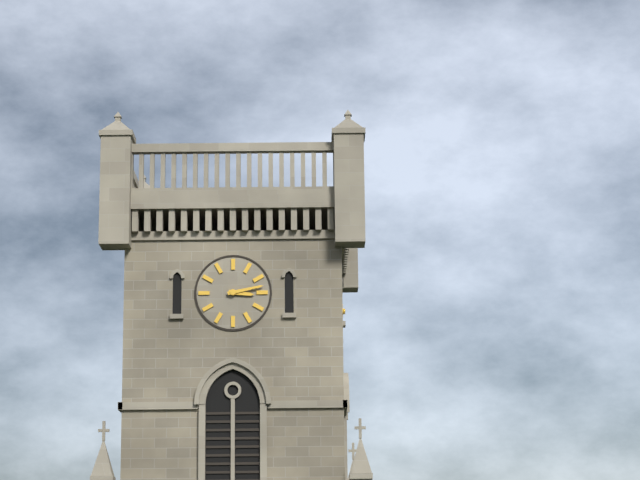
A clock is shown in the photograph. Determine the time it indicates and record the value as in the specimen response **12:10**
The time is **3:13**
